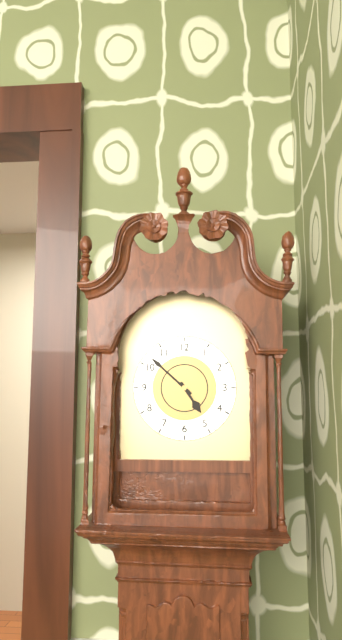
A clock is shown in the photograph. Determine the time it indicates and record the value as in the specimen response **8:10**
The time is **4:52**
